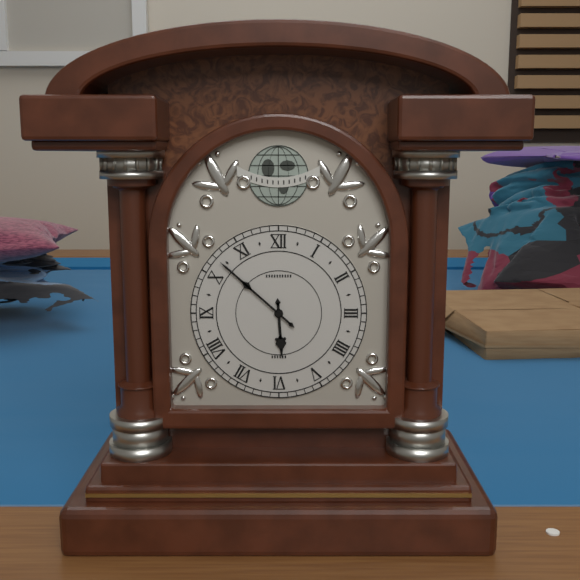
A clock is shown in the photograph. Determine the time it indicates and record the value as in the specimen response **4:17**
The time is **5:52**
